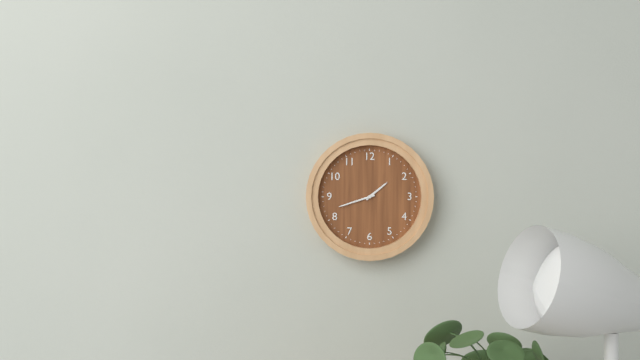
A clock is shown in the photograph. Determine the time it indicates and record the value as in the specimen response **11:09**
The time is **1:42**
